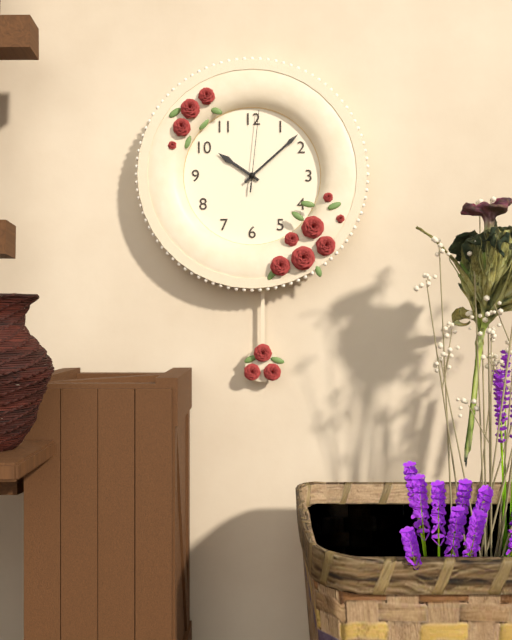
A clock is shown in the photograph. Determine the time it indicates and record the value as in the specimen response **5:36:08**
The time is **10:08:01**
